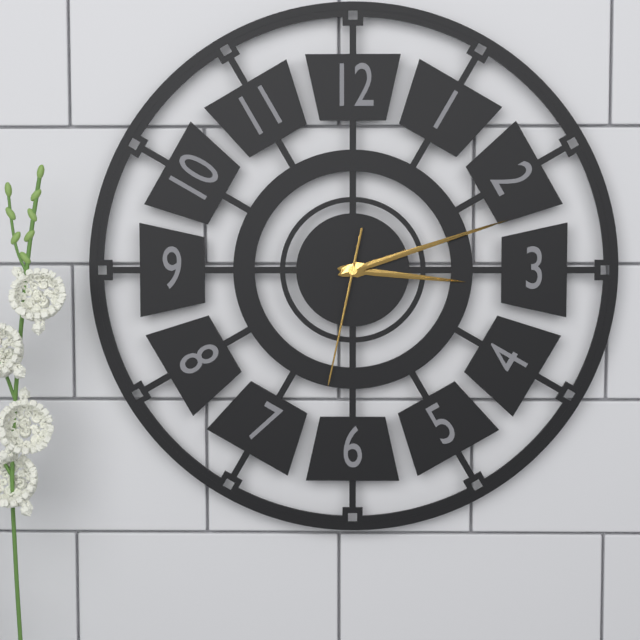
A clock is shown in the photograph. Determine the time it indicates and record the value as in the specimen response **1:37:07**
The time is **3:12:32**
